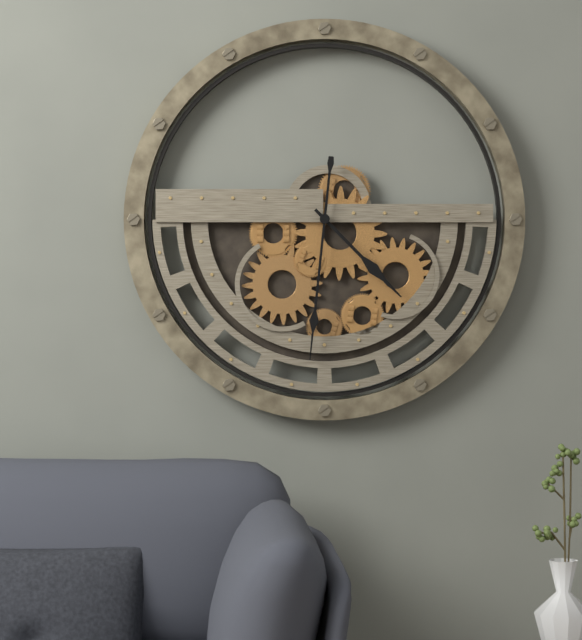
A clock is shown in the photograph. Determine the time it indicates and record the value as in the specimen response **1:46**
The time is **4:31**
